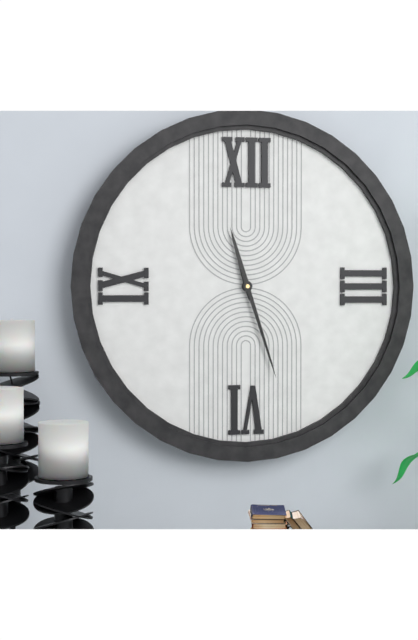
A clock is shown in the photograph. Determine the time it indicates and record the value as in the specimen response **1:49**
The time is **11:27**
